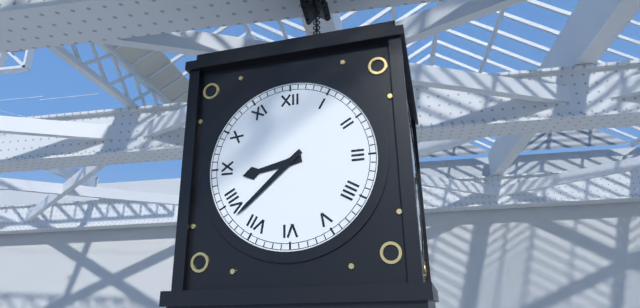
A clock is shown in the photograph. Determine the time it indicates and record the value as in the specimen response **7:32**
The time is **8:38**
